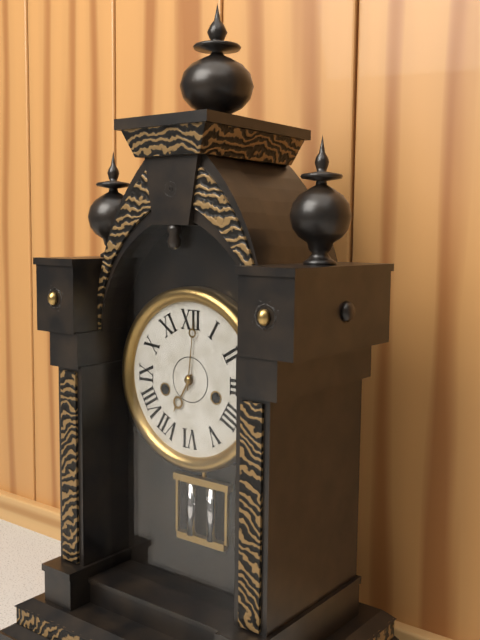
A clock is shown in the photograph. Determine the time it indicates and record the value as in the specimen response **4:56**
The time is **7:01**
